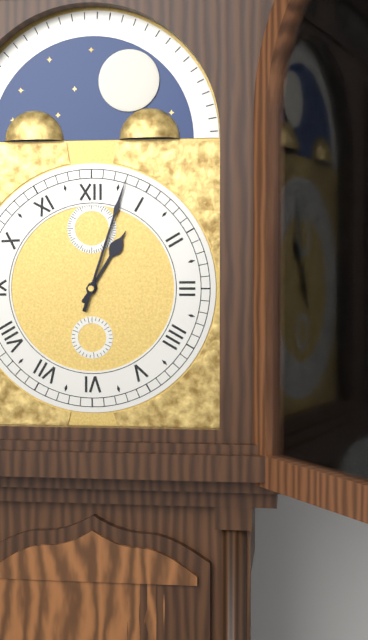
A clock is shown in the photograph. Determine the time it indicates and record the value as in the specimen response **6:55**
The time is **1:03**
